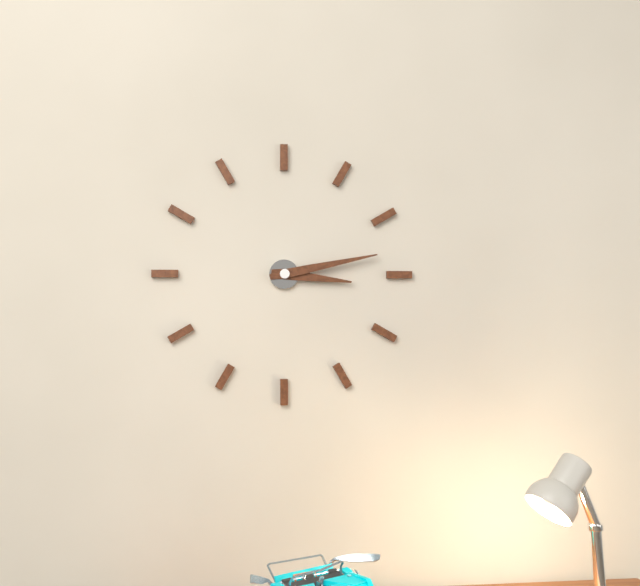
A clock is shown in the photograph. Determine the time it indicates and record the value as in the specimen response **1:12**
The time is **3:13**
